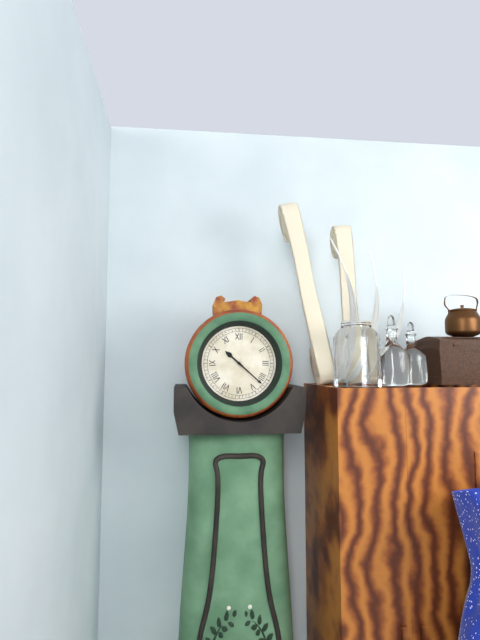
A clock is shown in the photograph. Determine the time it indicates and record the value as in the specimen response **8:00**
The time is **10:22**
